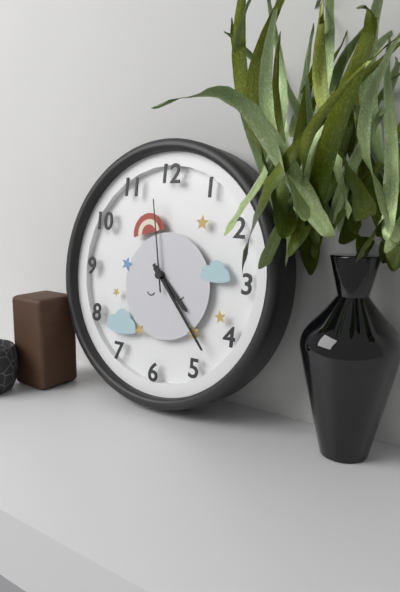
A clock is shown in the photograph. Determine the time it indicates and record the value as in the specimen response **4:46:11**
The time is **4:23:58**
